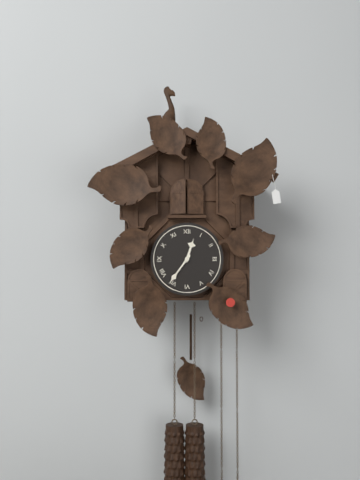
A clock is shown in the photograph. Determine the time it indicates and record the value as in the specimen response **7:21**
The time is **12:36**
